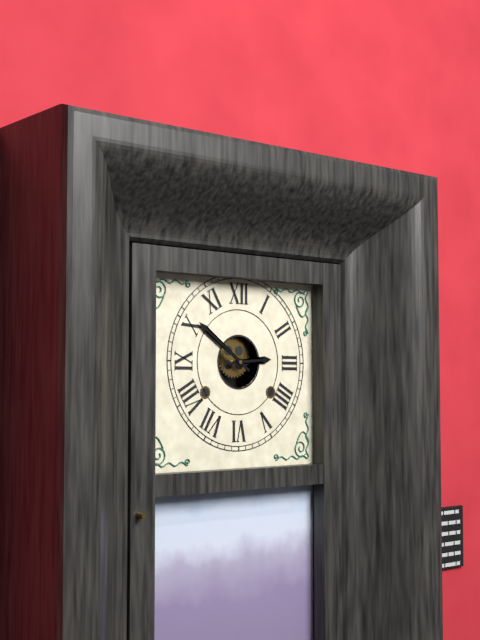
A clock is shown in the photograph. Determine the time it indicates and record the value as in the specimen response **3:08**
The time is **2:51**
